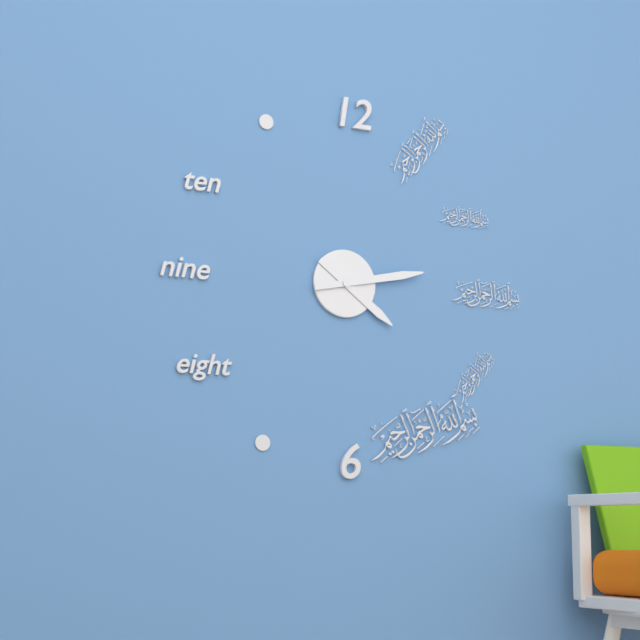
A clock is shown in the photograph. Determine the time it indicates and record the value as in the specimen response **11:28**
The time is **4:13**
